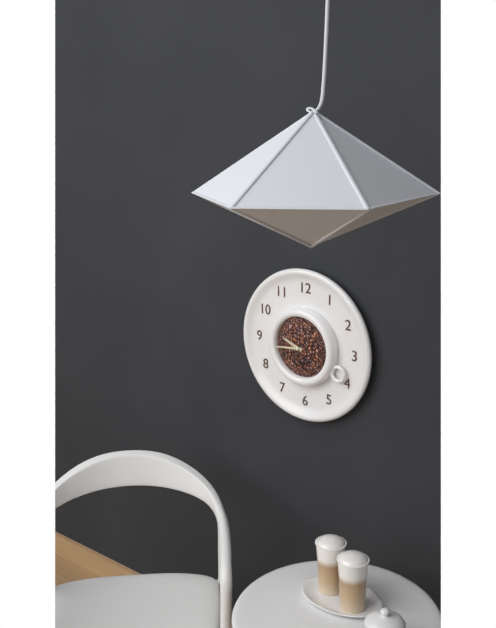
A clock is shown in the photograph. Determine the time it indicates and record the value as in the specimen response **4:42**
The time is **9:44**
